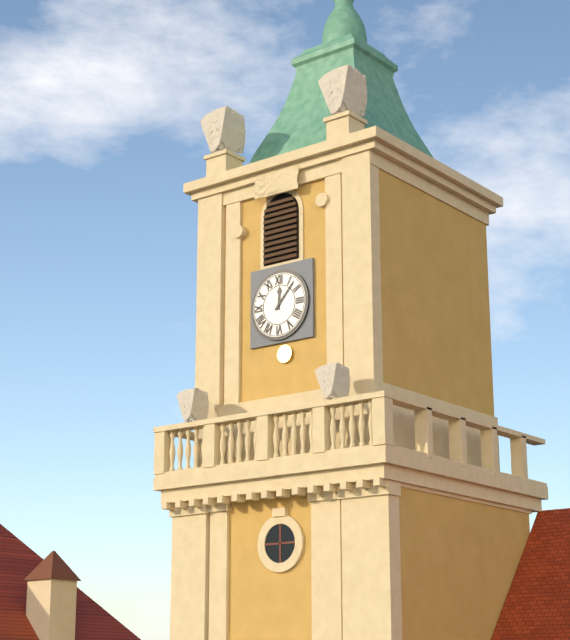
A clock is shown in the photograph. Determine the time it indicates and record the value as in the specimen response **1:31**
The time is **12:07**
